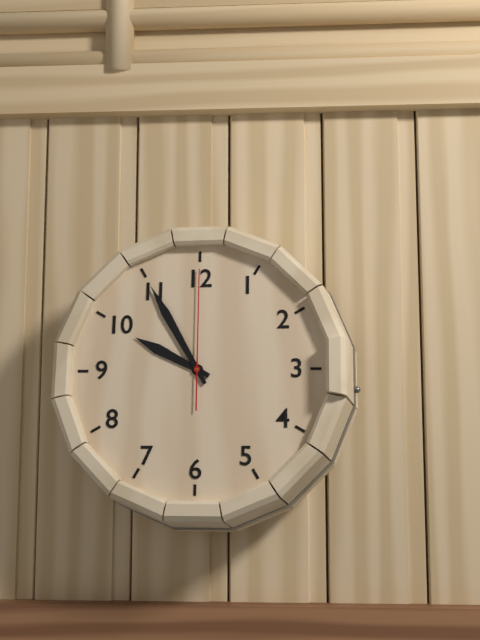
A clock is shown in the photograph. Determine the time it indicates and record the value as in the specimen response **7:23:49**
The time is **9:55:00**
